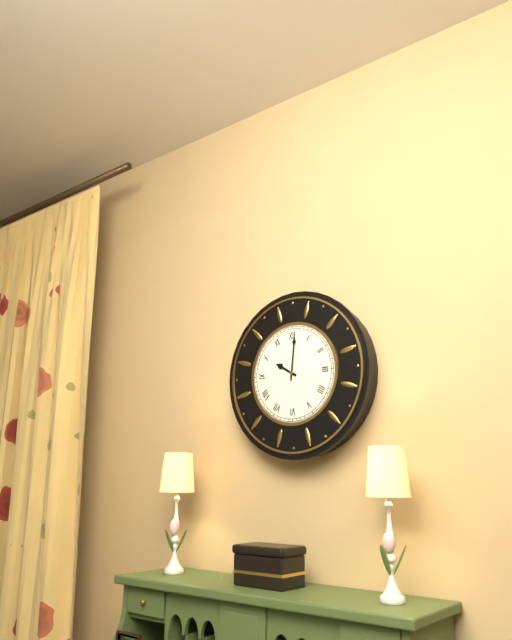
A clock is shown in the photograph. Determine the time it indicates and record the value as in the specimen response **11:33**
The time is **10:01**
